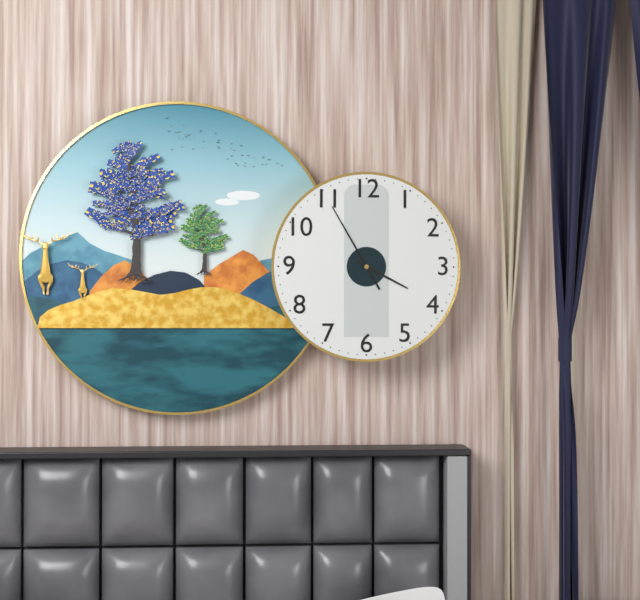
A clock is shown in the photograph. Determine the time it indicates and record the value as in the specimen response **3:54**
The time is **3:55**
